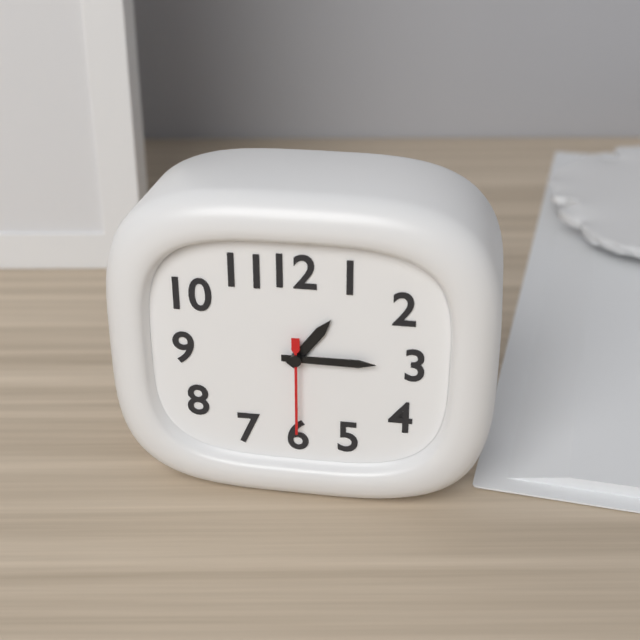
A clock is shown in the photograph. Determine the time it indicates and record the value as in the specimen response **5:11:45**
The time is **1:15:30**
